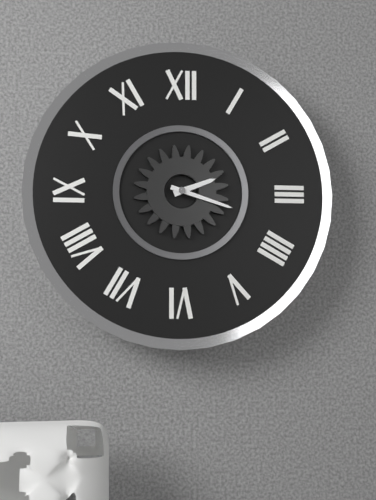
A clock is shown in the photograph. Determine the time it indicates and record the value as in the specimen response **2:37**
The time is **2:18**
